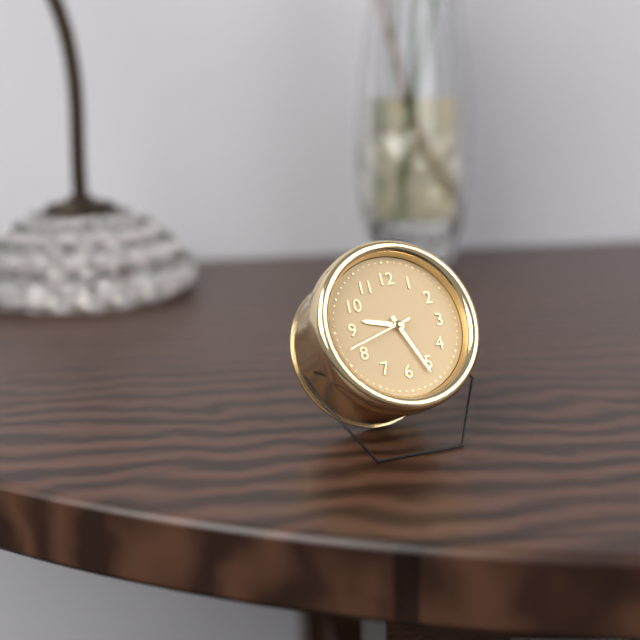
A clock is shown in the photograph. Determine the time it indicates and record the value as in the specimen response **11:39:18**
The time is **9:26:42**
